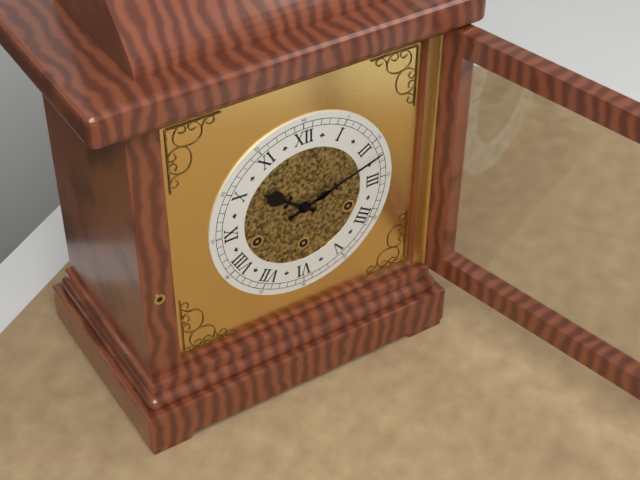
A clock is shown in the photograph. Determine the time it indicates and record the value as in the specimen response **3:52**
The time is **10:12**
